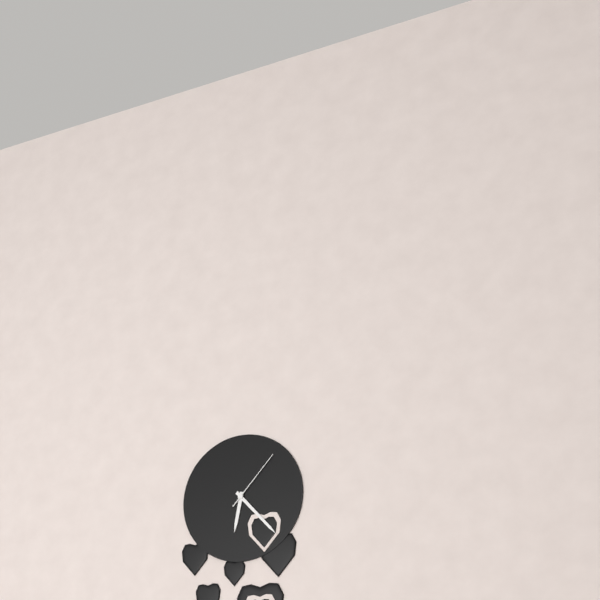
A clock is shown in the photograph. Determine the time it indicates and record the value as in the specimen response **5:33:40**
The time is **6:23:07**
